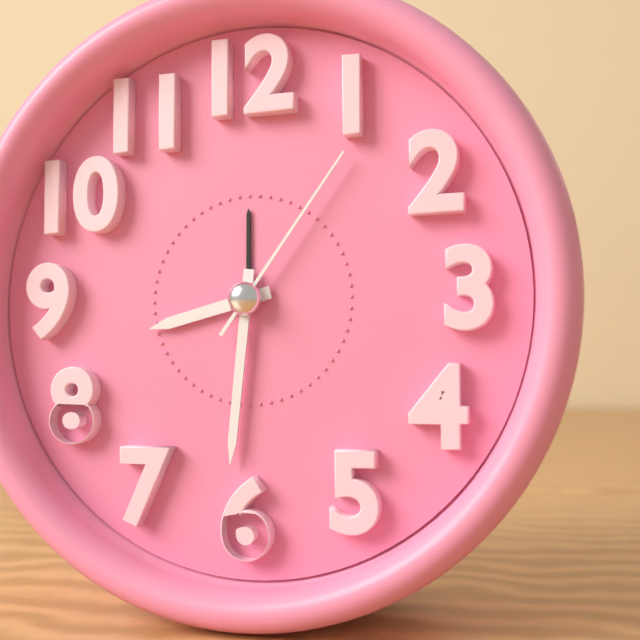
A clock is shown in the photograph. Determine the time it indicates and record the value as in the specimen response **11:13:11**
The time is **8:31:06**
